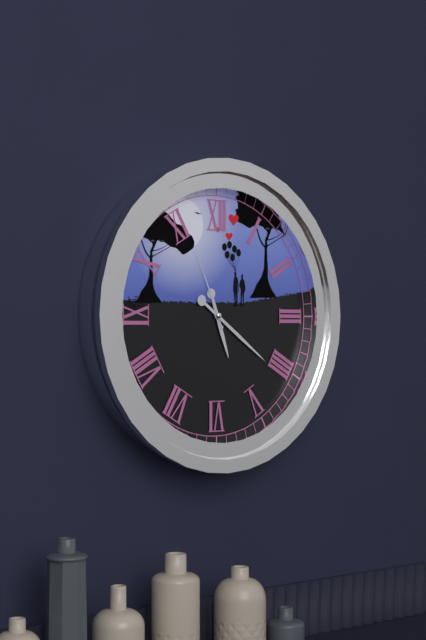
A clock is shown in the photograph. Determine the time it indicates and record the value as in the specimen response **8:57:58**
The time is **5:21:56**
